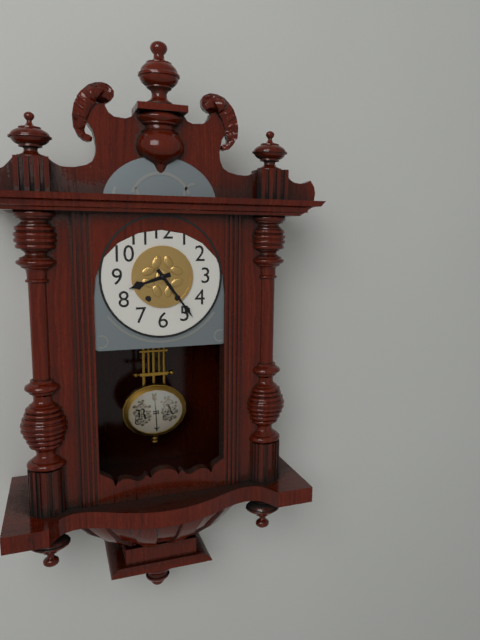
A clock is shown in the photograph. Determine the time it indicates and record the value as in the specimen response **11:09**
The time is **8:24**
